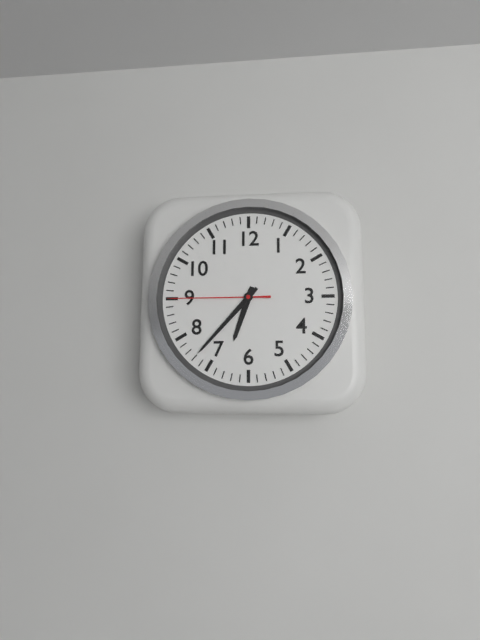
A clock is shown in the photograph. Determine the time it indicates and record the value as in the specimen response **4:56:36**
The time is **6:37:45**
